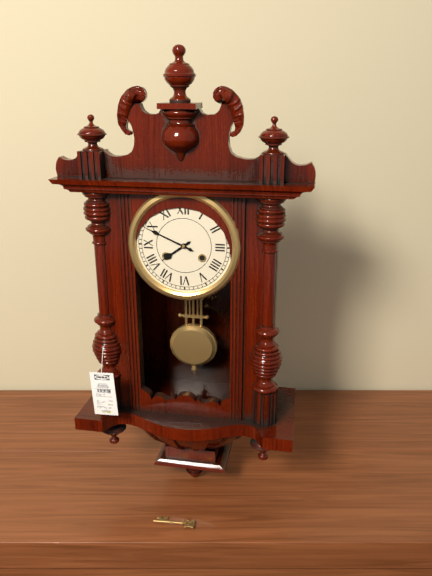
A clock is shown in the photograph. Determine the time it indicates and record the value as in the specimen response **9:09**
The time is **7:49**
